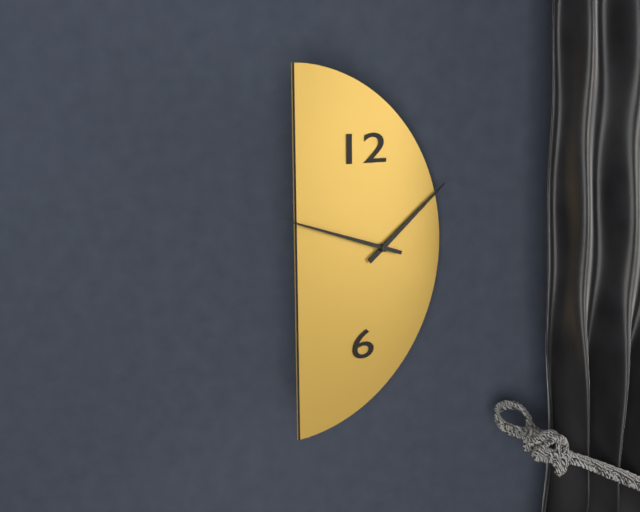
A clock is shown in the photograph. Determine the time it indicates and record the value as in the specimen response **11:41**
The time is **1:48**
